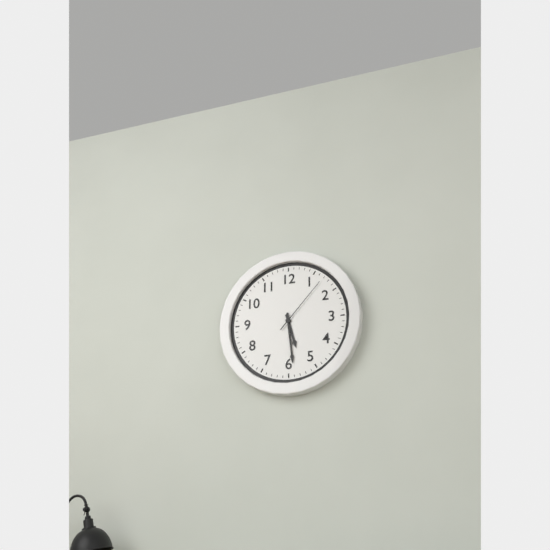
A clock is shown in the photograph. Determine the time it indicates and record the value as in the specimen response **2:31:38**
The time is **5:29:07**
